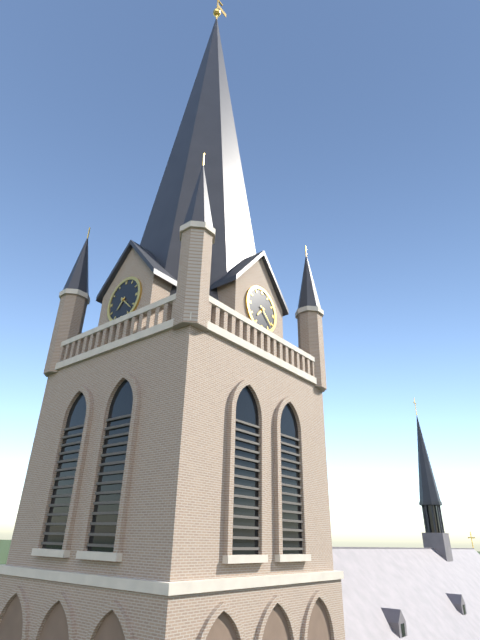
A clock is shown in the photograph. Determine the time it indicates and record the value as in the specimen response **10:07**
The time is **7:22**
